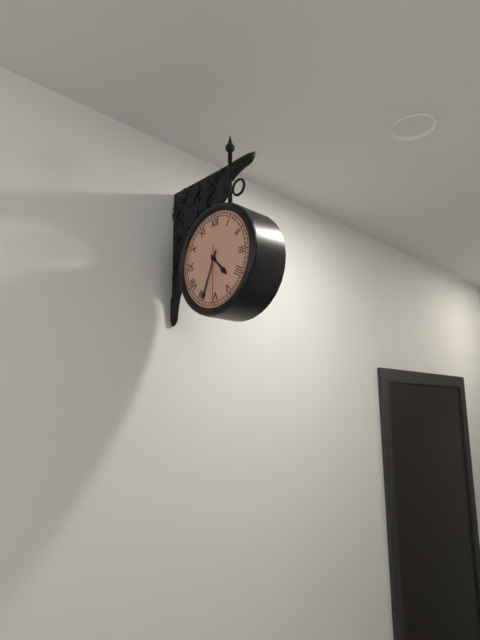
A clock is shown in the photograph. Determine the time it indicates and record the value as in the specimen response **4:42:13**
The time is **4:34:30**
